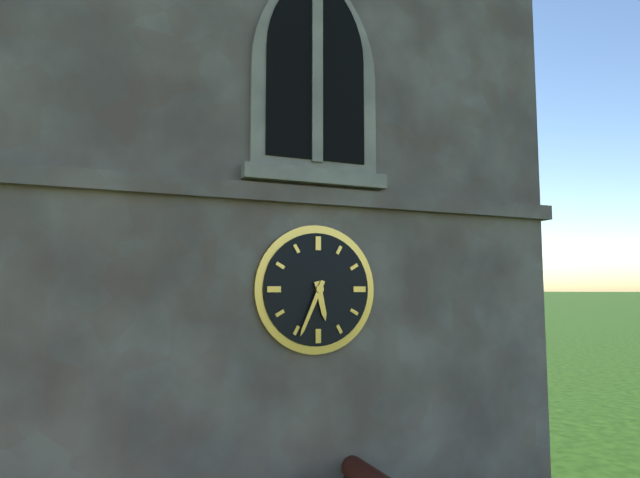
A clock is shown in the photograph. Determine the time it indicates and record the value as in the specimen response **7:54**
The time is **5:34**
